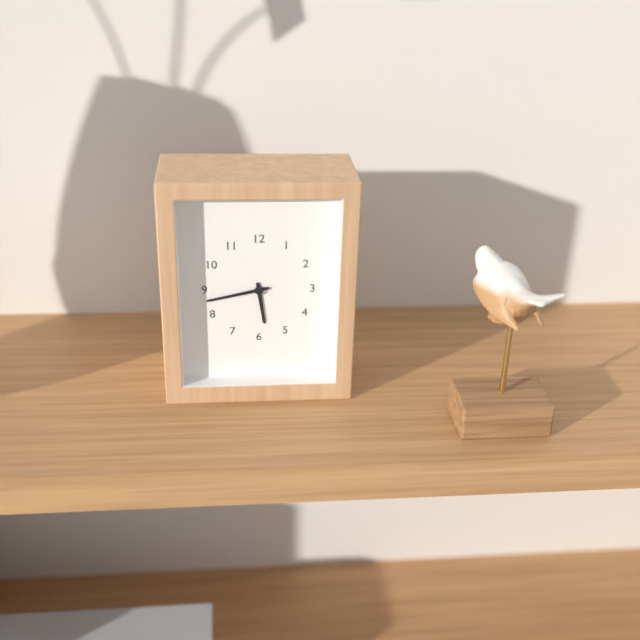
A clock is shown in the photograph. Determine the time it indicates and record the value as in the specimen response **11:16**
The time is **5:43**
